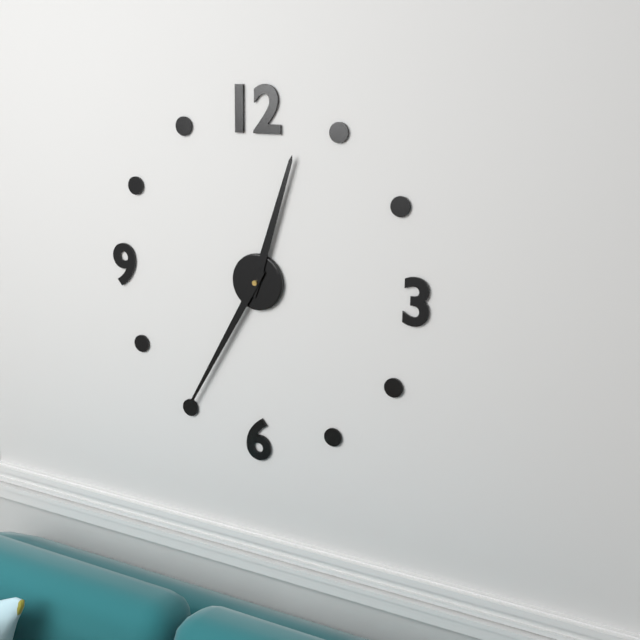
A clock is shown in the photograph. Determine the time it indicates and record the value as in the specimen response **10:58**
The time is **12:35**
